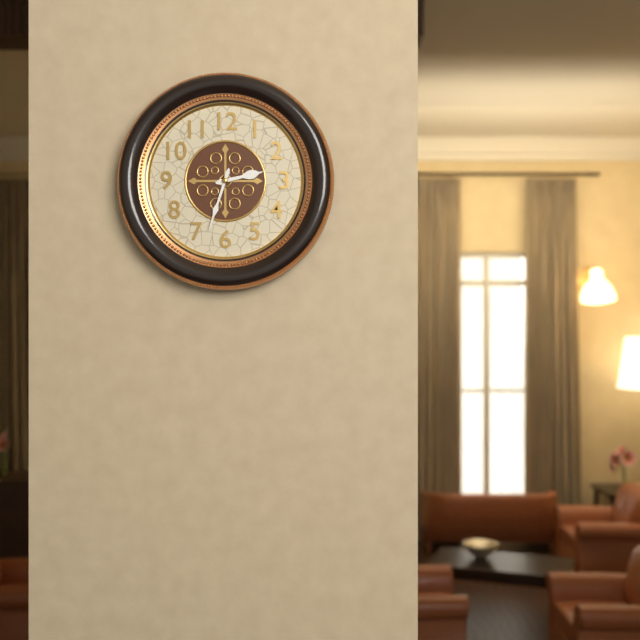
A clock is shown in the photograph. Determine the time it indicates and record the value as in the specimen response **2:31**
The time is **2:33**
